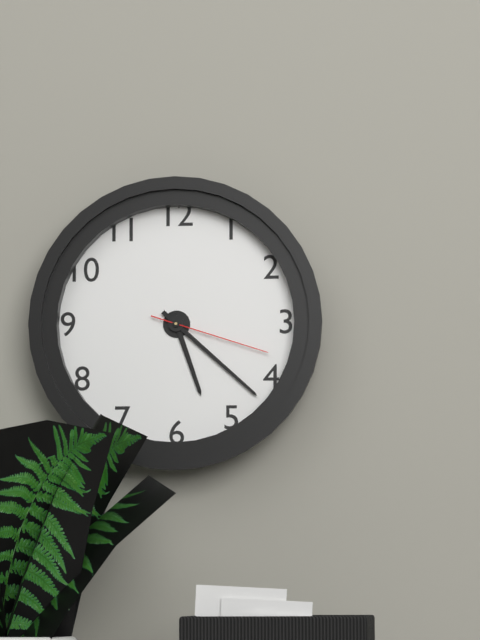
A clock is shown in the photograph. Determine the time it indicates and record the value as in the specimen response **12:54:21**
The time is **5:22:18**
